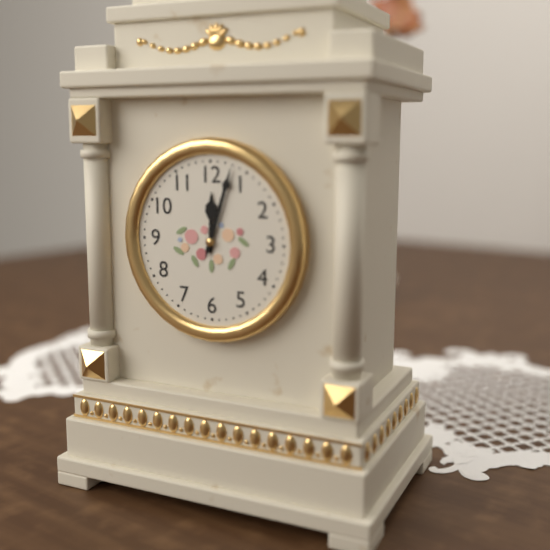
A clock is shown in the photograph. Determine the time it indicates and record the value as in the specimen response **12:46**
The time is **12:03**
